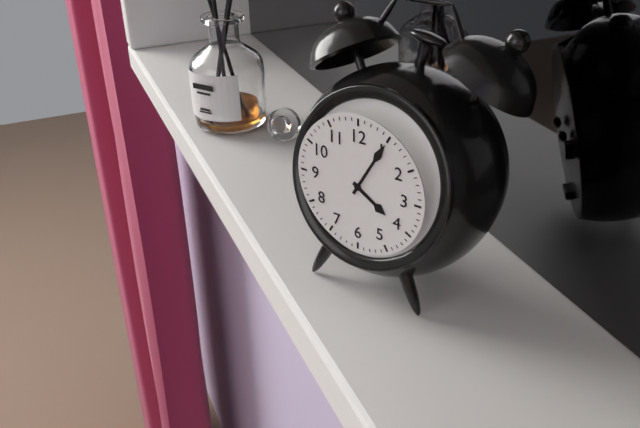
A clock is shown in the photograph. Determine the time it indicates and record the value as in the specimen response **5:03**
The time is **4:05**
